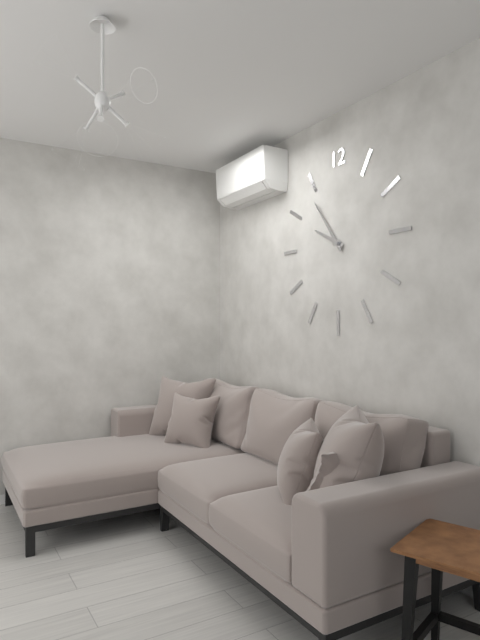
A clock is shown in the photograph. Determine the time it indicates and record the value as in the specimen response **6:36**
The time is **9:54**
